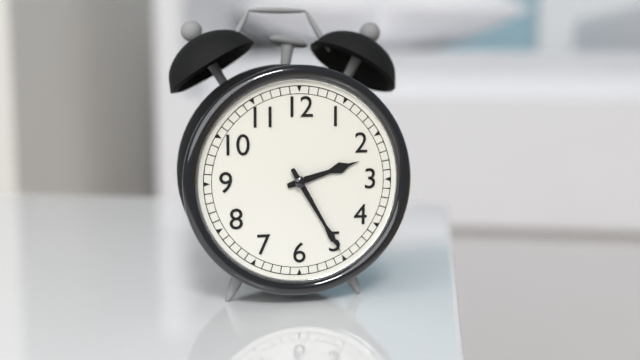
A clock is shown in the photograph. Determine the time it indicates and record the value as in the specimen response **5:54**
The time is **2:25**
